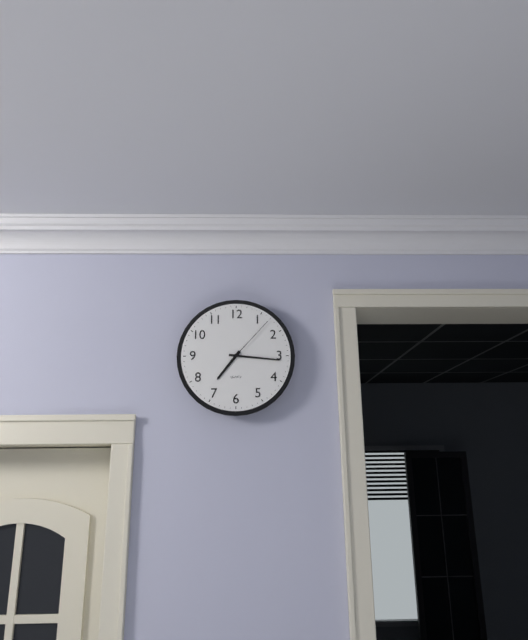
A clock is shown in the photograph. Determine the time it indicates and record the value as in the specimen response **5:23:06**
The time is **7:16:07**
